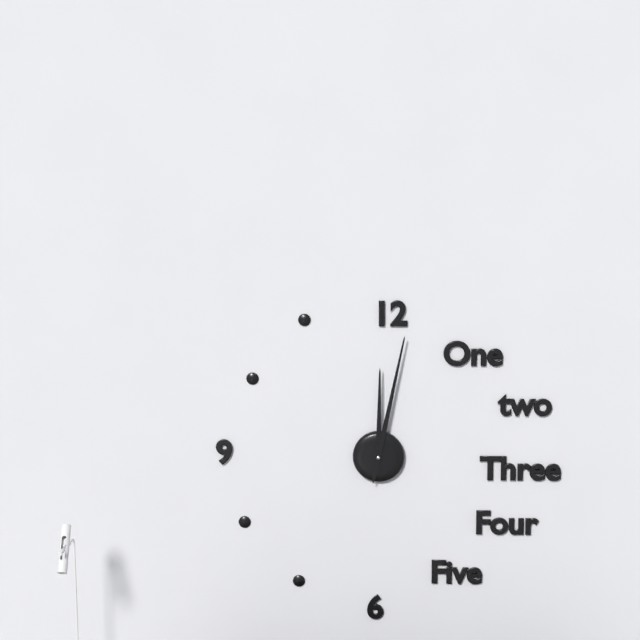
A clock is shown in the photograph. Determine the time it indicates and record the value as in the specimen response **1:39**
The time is **12:02**
